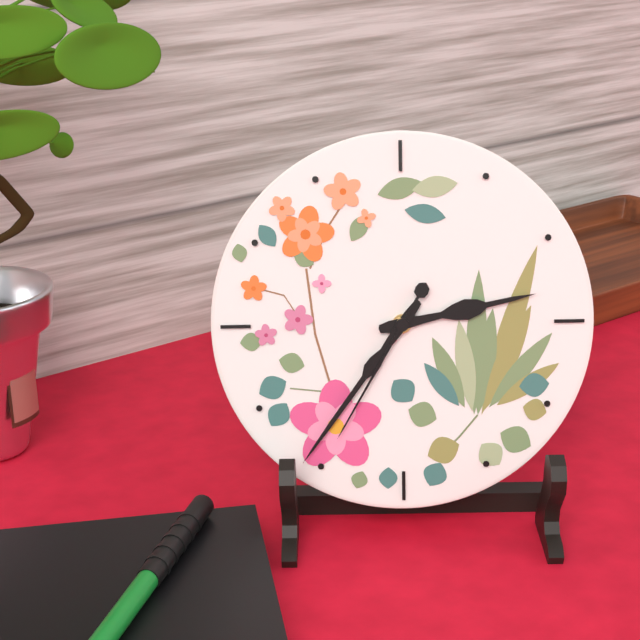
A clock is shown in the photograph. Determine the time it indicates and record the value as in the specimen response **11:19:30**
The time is **2:36:35**
